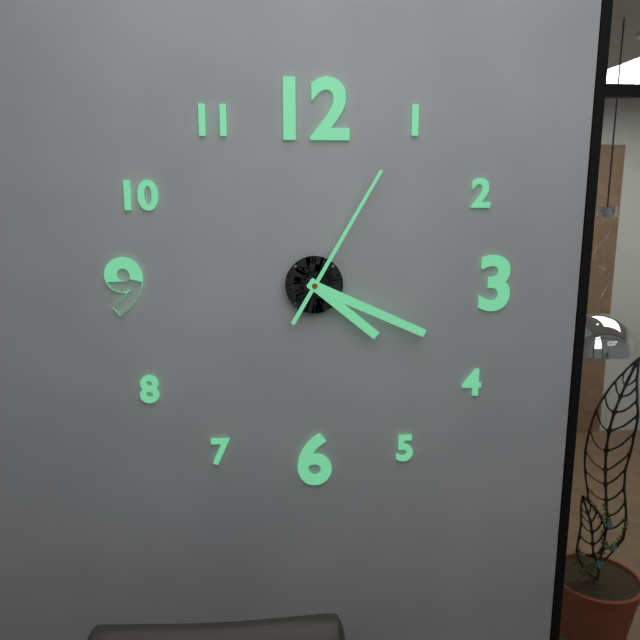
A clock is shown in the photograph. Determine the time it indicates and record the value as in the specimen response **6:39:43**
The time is **4:19:05**
